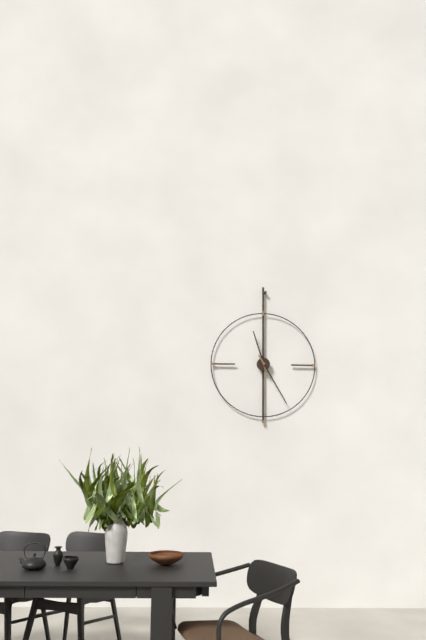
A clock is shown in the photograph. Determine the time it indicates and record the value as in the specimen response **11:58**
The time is **11:25**
